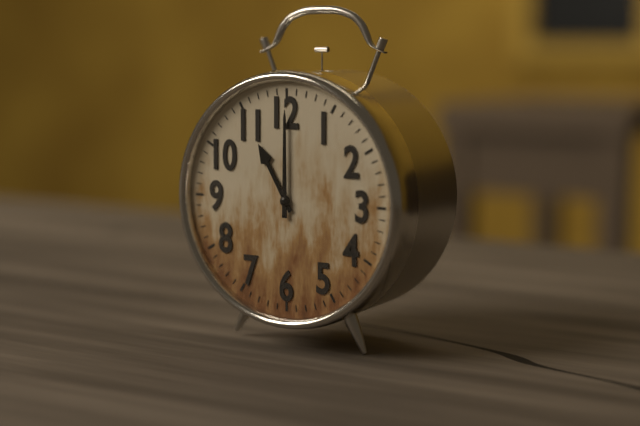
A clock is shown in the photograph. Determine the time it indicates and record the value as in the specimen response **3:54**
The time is **11:00**
